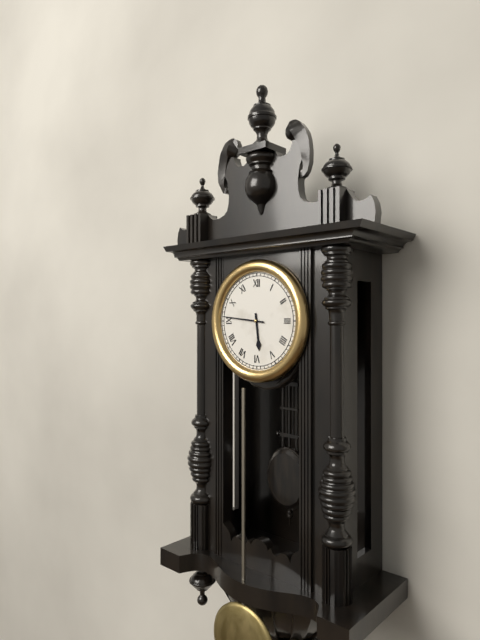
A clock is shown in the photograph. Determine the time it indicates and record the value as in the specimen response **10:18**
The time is **5:46**
